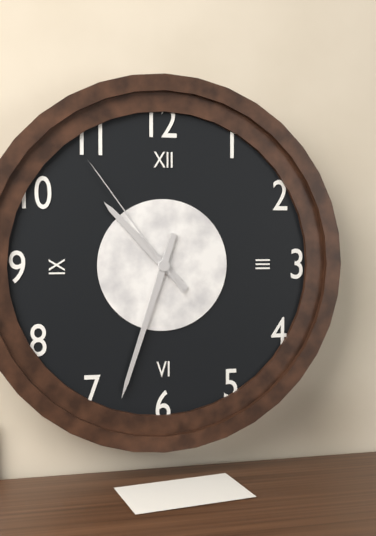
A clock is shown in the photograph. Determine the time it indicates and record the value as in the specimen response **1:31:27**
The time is **10:33:54**
